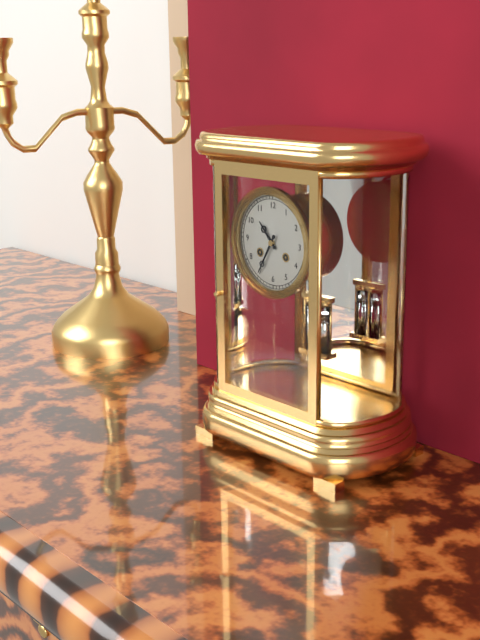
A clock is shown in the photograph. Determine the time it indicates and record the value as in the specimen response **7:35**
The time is **10:35**
